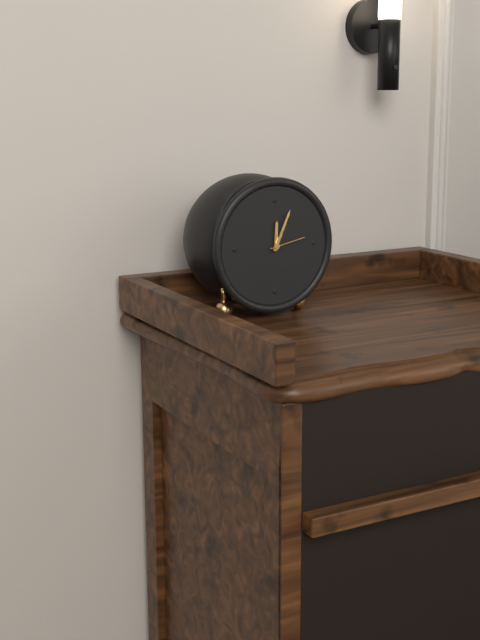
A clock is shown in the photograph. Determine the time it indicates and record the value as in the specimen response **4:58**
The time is **12:04**
